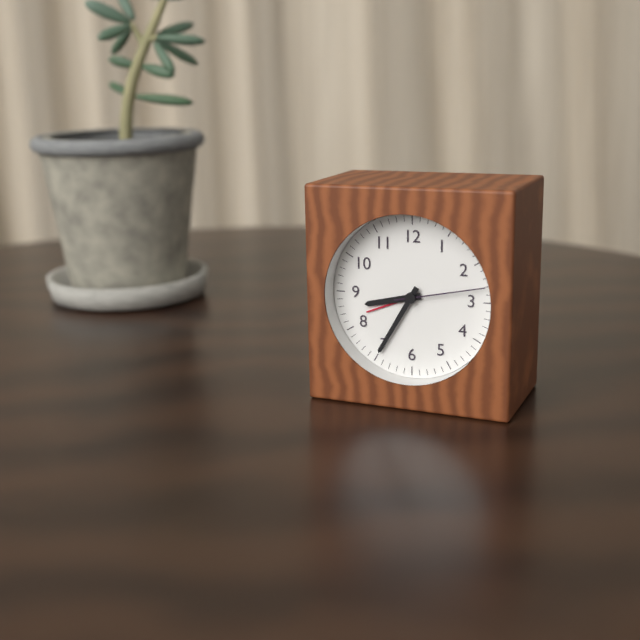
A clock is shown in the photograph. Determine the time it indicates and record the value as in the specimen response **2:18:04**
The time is **8:35:13**
